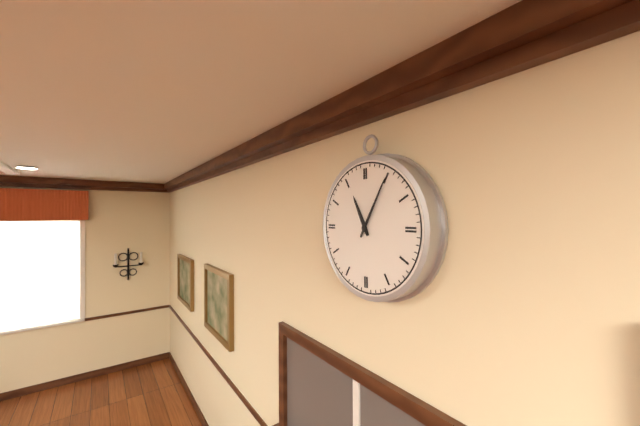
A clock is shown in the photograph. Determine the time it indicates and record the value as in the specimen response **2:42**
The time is **11:05**
